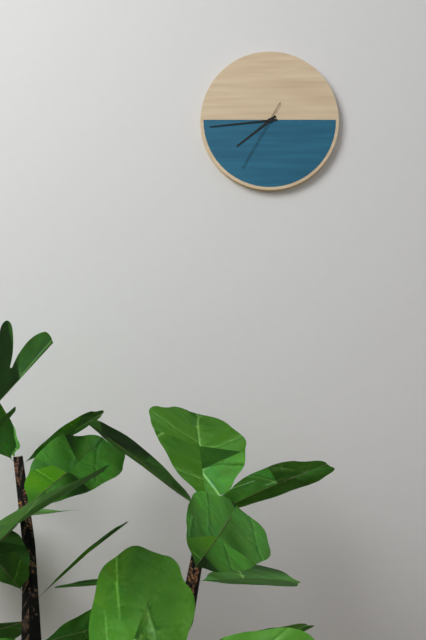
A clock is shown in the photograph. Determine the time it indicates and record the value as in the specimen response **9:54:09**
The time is **7:44:35**
